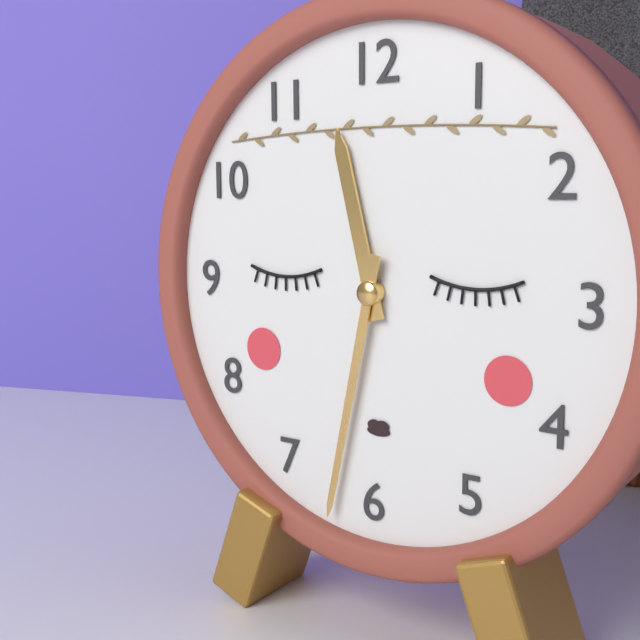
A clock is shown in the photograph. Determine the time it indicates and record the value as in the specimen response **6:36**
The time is **11:32**
